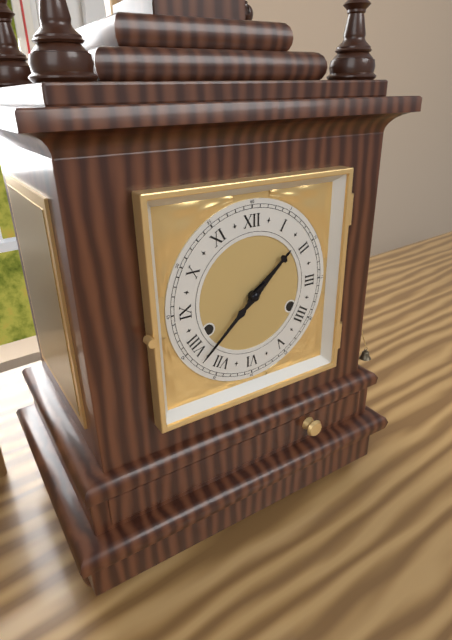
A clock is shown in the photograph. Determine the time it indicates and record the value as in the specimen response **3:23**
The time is **1:38**
